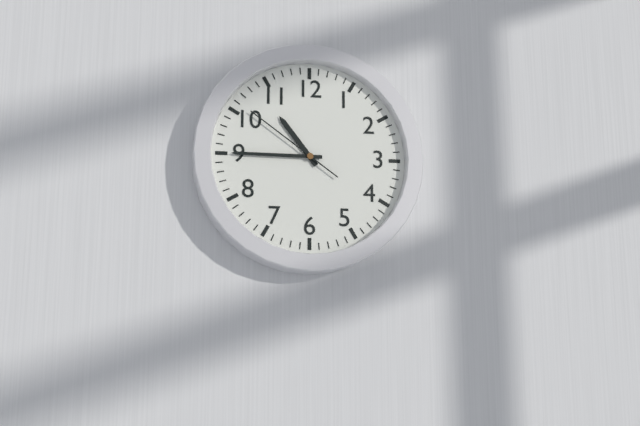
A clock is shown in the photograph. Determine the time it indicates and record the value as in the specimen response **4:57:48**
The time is **10:45:51**
